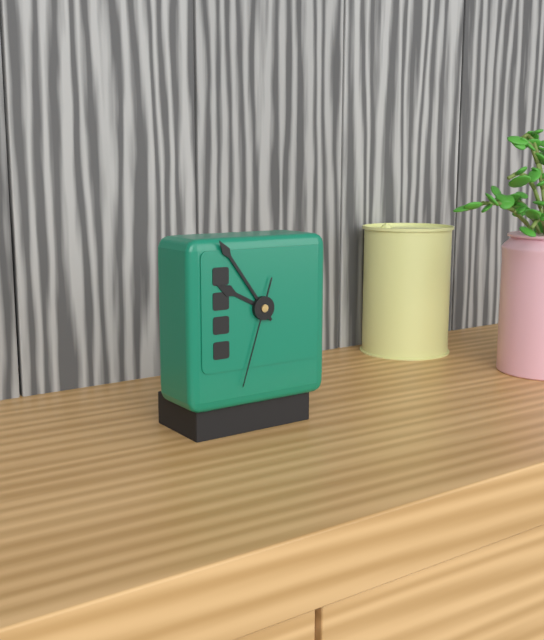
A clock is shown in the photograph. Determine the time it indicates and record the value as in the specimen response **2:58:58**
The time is **9:54:33**
